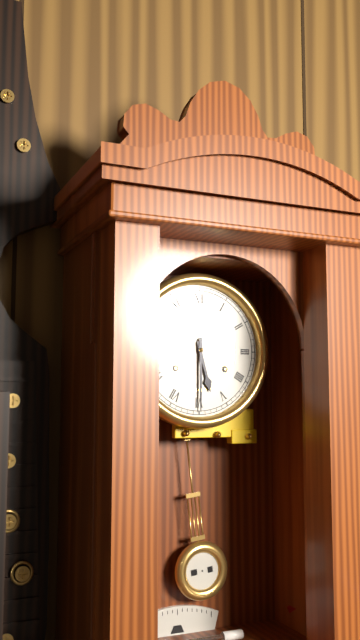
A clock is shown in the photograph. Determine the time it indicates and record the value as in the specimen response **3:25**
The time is **5:30**
